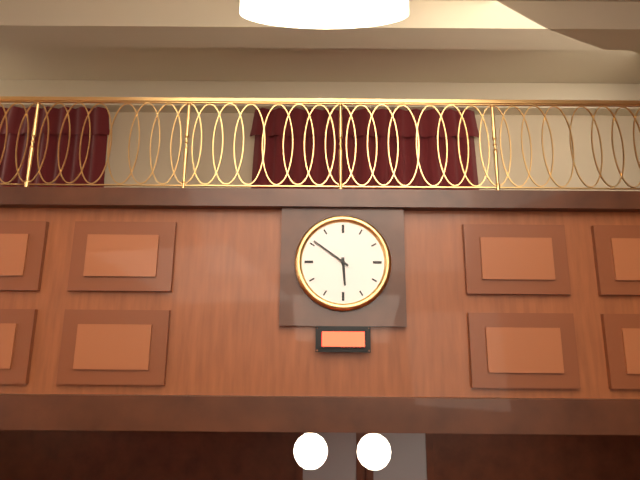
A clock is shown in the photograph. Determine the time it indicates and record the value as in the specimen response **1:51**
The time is **5:51**
